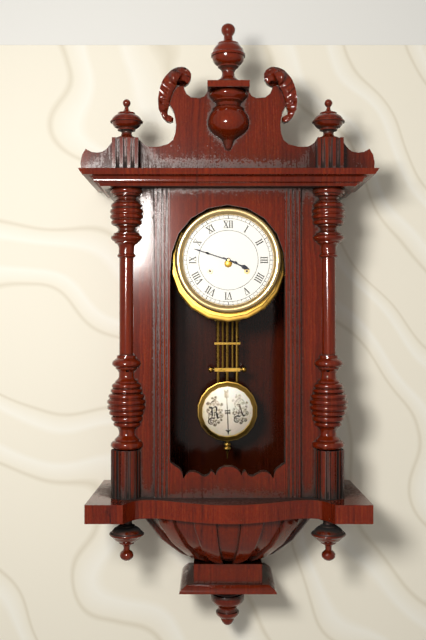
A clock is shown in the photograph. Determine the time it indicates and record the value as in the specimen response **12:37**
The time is **3:48**
